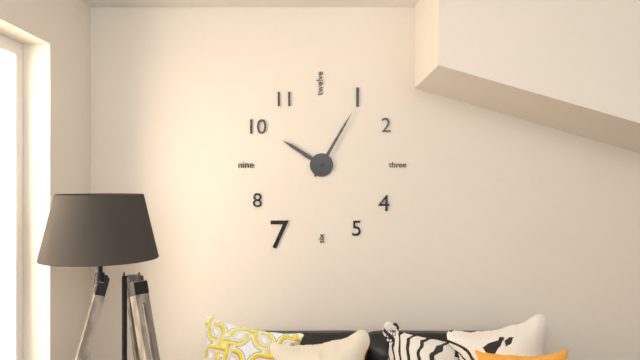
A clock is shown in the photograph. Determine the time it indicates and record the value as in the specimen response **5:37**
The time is **10:05**
